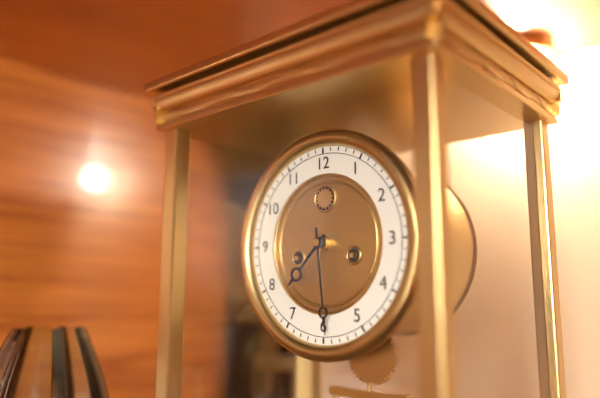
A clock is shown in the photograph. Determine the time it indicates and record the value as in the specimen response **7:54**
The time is **7:29**
